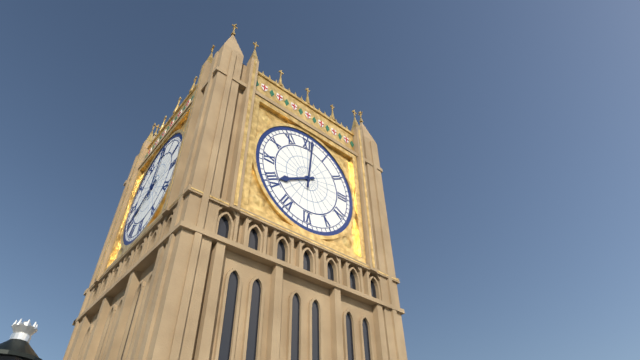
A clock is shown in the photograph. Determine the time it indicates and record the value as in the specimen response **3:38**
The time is **8:01**
